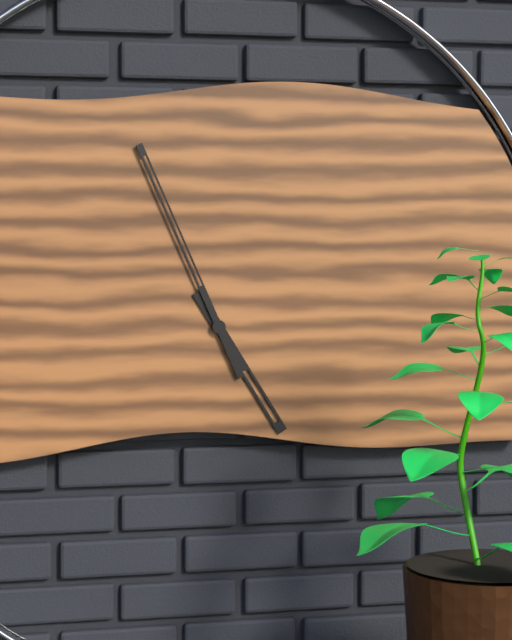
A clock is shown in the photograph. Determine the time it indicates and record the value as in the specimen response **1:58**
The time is **4:56**
